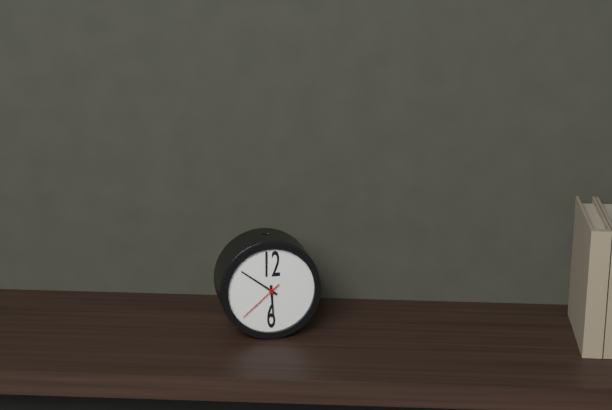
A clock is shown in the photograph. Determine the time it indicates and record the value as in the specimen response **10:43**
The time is **5:51**
